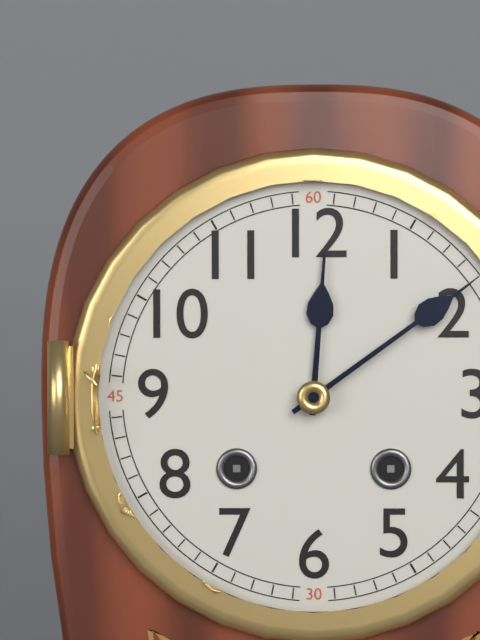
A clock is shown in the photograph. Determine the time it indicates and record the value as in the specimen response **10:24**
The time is **12:09**
